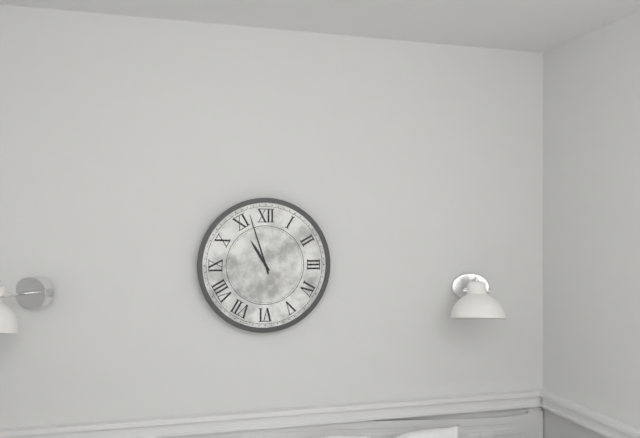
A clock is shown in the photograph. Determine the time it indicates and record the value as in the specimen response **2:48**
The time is **10:57**
